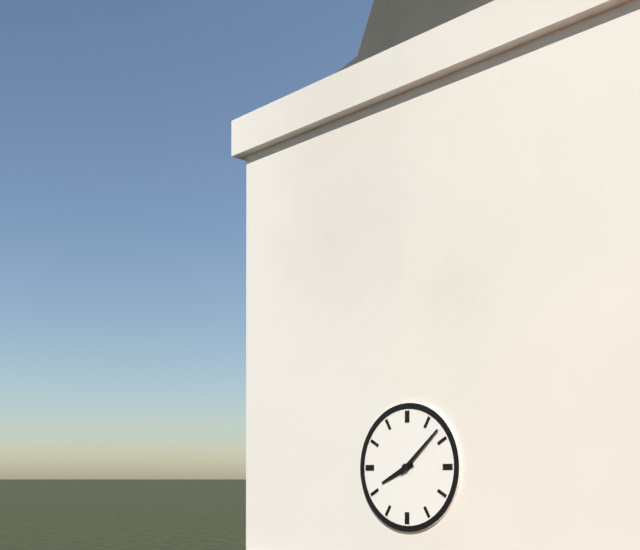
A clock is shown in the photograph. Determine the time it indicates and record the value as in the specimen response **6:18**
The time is **8:08**
